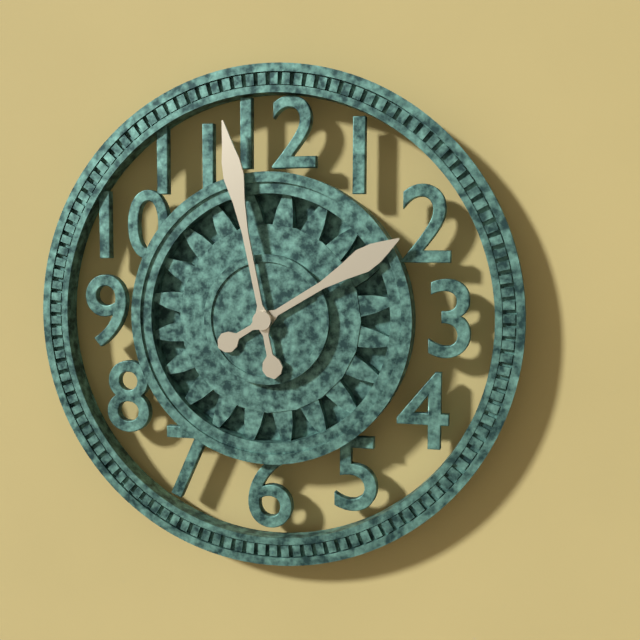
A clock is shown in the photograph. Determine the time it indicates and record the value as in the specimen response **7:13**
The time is **1:58**
